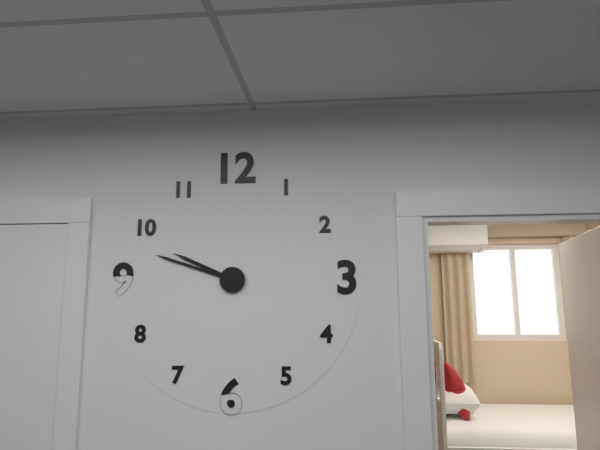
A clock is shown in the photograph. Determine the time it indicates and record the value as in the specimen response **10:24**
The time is **9:48**
